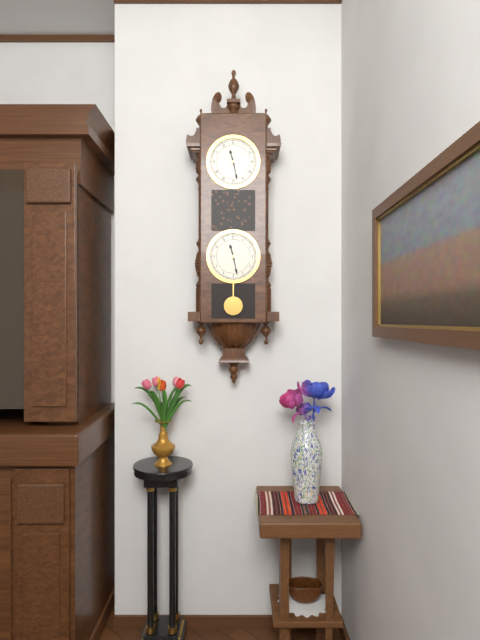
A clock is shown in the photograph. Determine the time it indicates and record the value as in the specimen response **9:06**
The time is **11:28**
